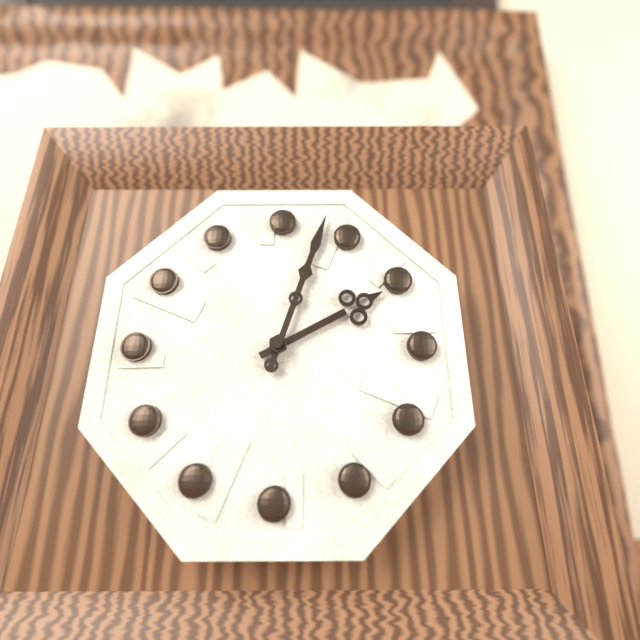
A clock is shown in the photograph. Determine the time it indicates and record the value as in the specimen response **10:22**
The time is **2:03**
